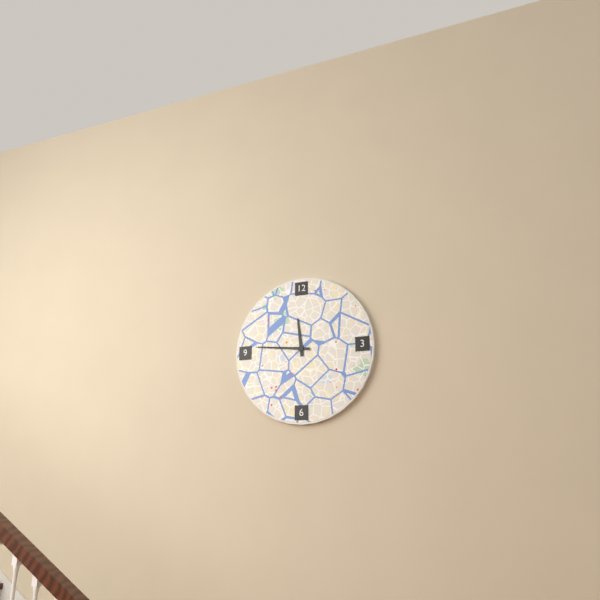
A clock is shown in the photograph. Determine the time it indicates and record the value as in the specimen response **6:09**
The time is **11:46**
